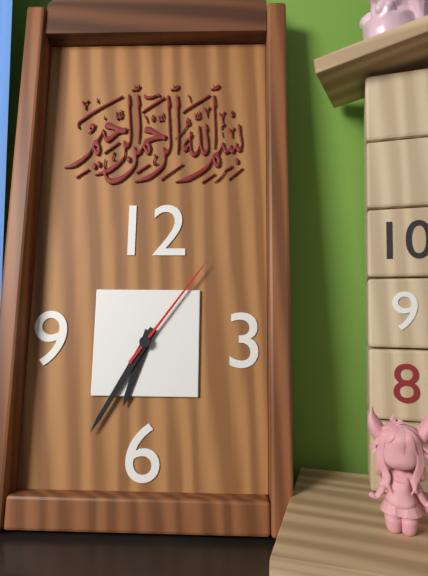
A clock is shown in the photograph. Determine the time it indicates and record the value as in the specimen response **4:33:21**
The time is **6:35:06**
